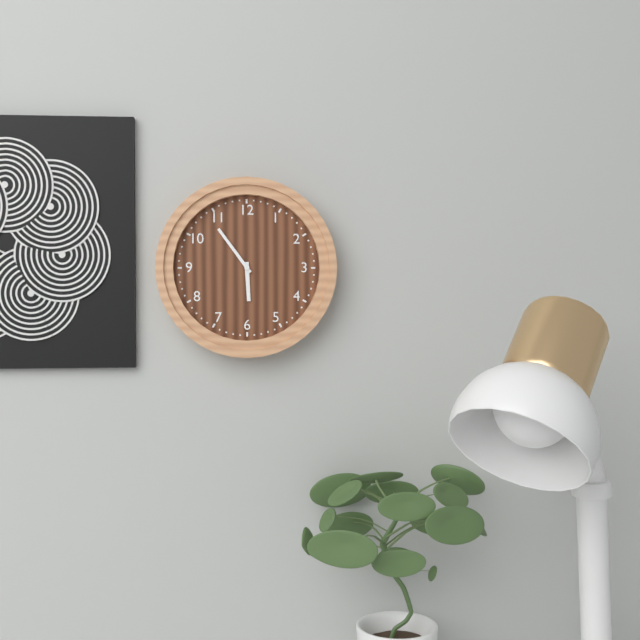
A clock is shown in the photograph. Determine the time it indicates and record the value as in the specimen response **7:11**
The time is **5:54**
